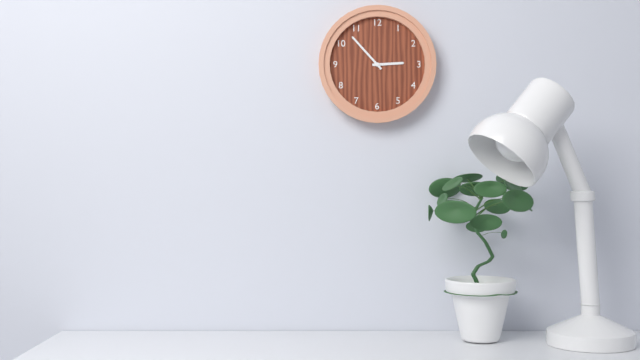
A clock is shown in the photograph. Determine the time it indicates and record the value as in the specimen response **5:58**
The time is **2:53**
